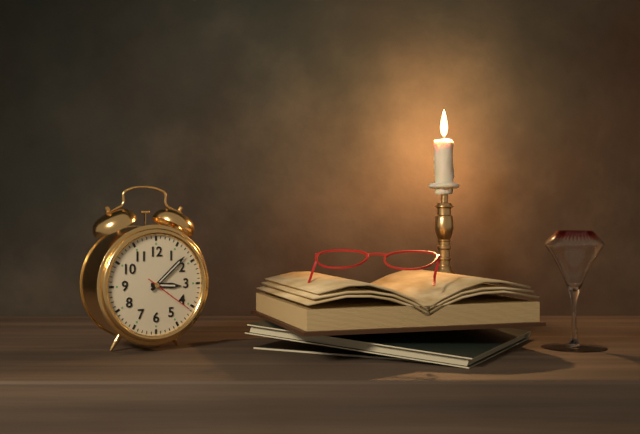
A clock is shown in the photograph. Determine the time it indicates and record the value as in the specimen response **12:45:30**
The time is **3:08:21**
